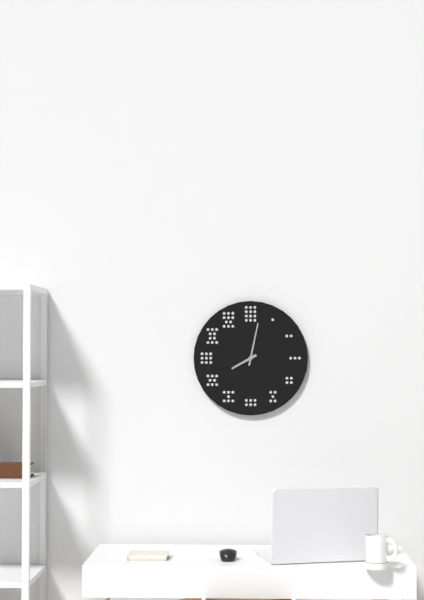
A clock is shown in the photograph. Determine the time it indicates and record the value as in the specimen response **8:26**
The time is **8:02**
